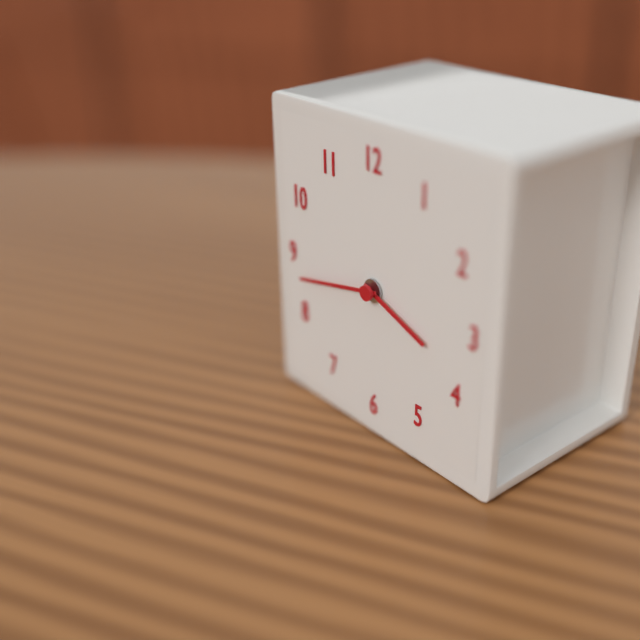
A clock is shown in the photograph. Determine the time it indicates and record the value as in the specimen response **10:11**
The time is **3:43**
